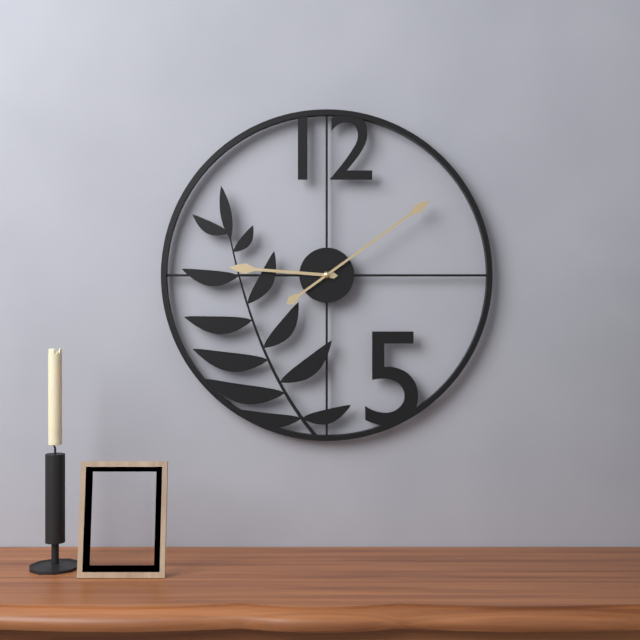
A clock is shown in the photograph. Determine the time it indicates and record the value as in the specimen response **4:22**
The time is **9:09**
